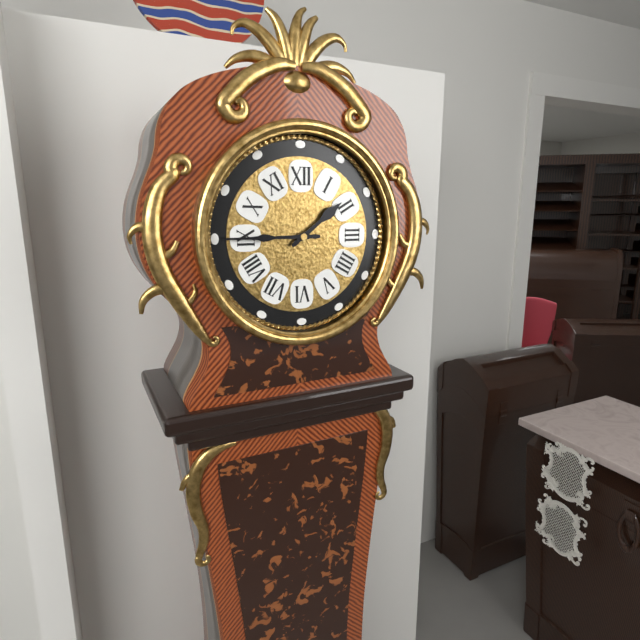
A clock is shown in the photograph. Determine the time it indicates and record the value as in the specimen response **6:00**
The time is **1:45**
